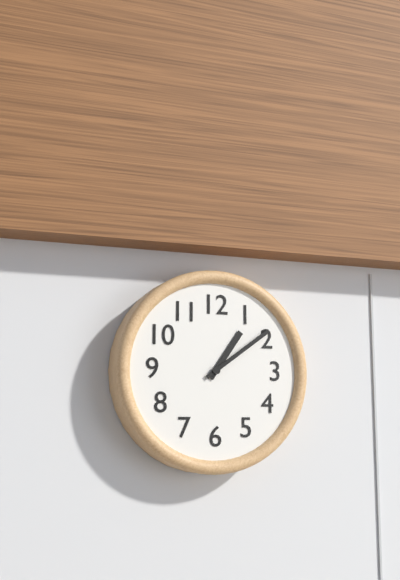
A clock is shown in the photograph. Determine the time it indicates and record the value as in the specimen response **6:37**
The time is **1:09**
